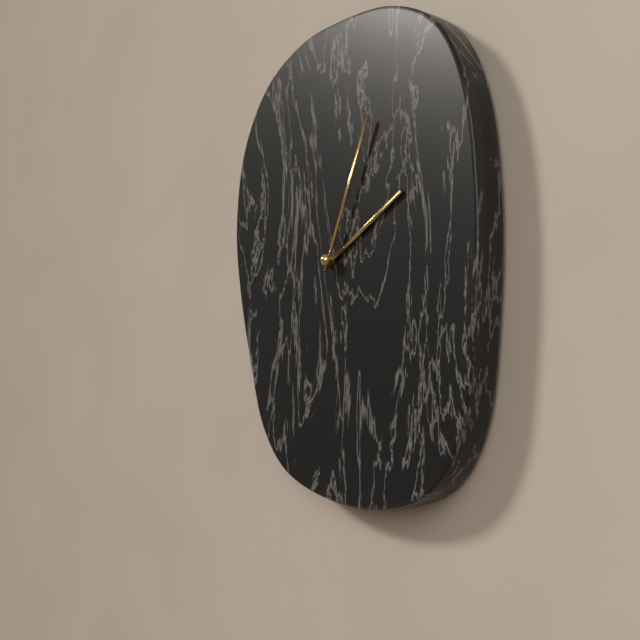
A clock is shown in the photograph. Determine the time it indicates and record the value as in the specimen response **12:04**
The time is **2:04**
